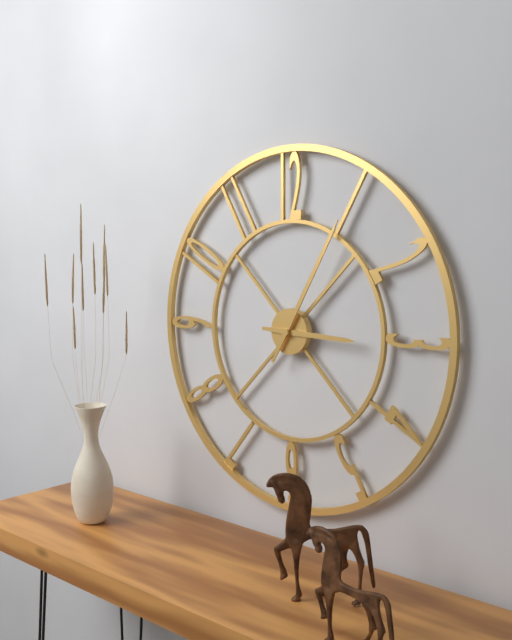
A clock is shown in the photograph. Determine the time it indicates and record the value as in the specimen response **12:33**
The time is **3:05**
